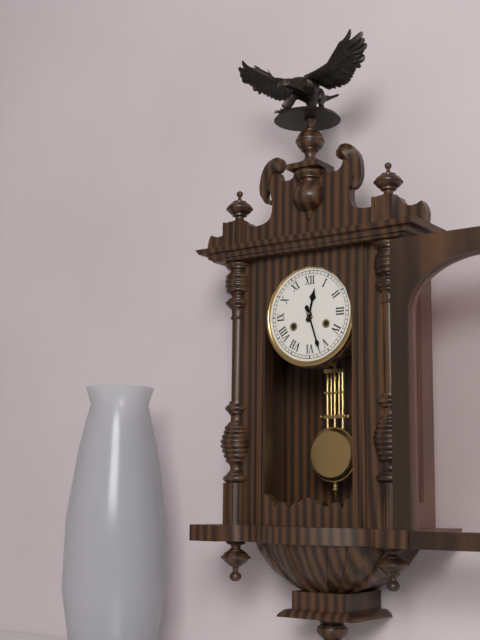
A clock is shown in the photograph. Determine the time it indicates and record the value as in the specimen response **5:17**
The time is **12:27**
